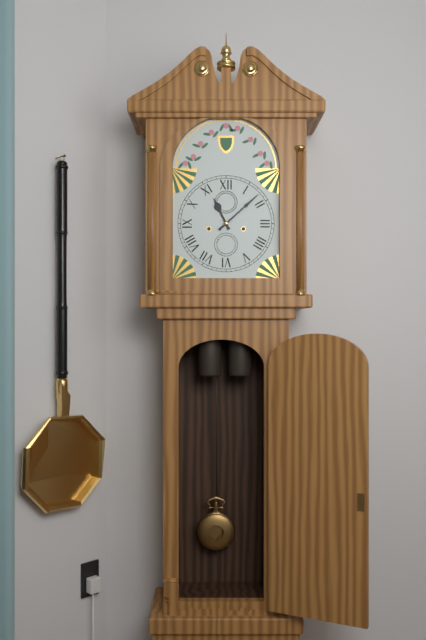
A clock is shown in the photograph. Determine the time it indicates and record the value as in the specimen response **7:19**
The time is **11:08**
